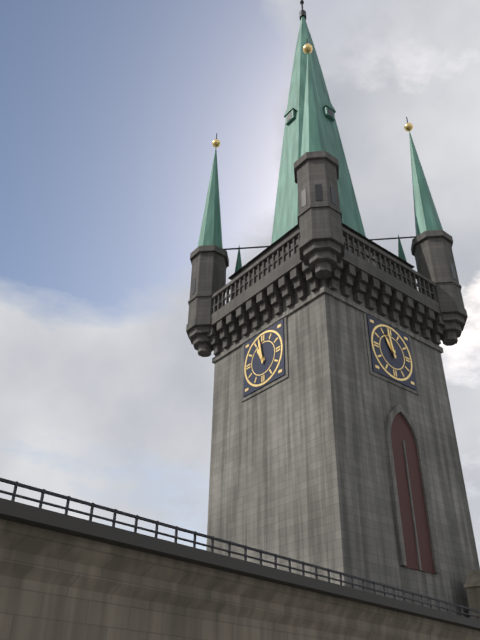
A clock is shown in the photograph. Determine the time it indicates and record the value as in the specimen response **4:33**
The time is **10:58**
